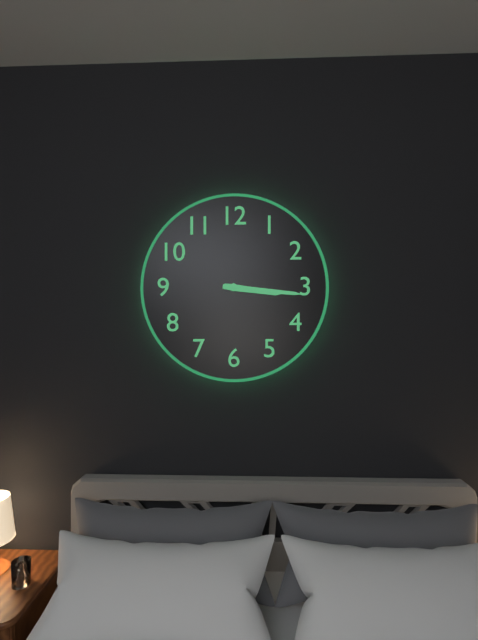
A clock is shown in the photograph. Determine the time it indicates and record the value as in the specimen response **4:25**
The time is **3:16**
